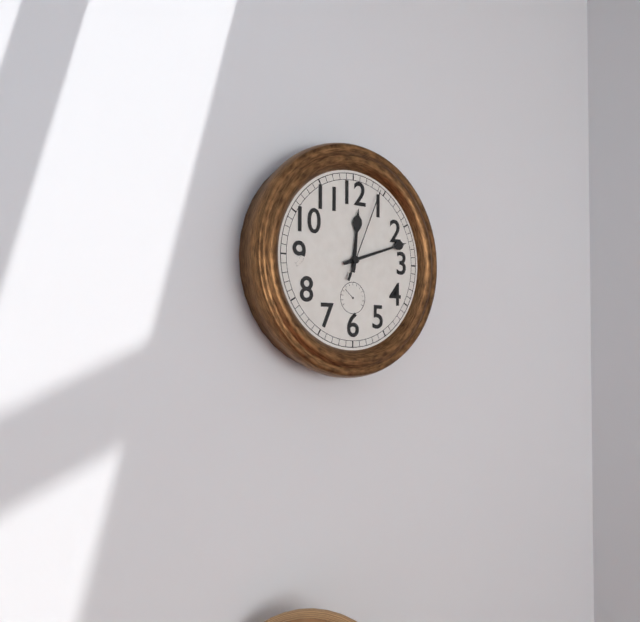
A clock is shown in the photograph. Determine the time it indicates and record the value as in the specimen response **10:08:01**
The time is **12:12:04**
